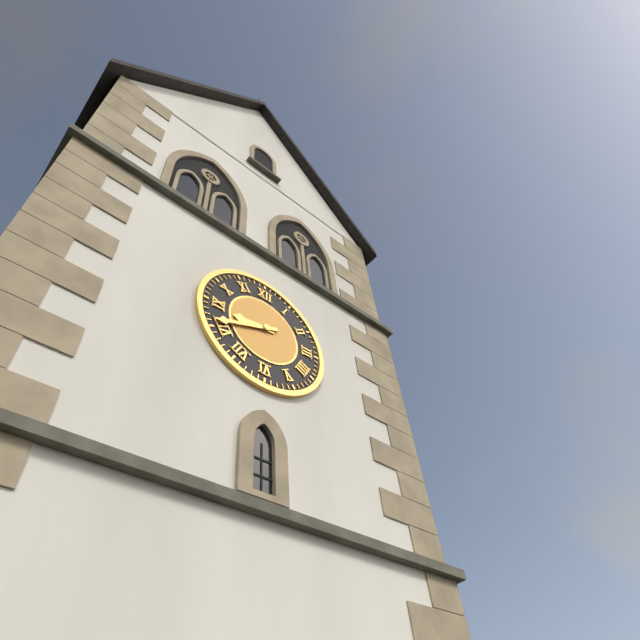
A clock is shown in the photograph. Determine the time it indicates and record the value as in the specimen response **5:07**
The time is **8:41**
